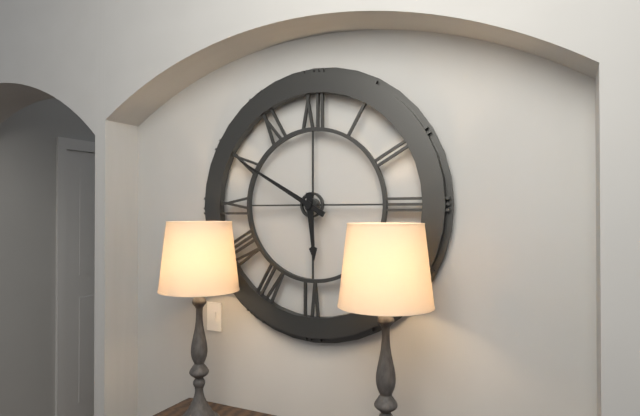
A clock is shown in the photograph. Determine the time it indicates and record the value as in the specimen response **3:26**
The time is **5:50**
